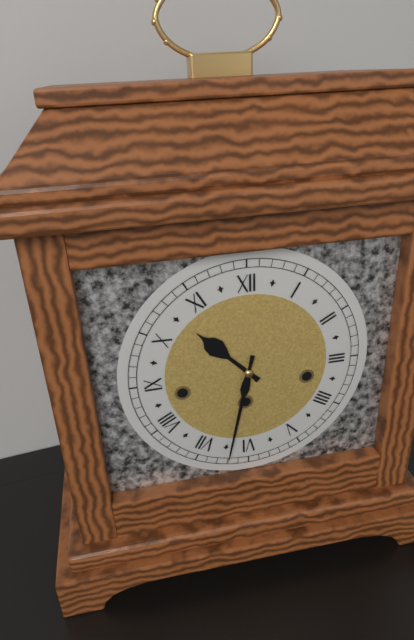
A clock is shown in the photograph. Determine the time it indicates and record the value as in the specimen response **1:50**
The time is **10:32**
